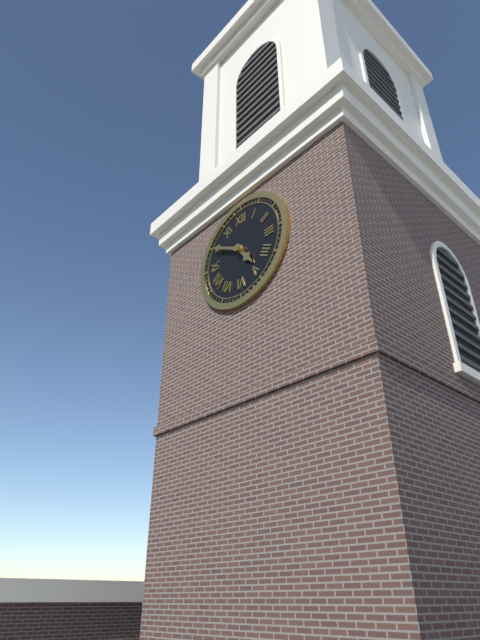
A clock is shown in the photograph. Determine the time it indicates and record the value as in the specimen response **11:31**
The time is **4:50**
